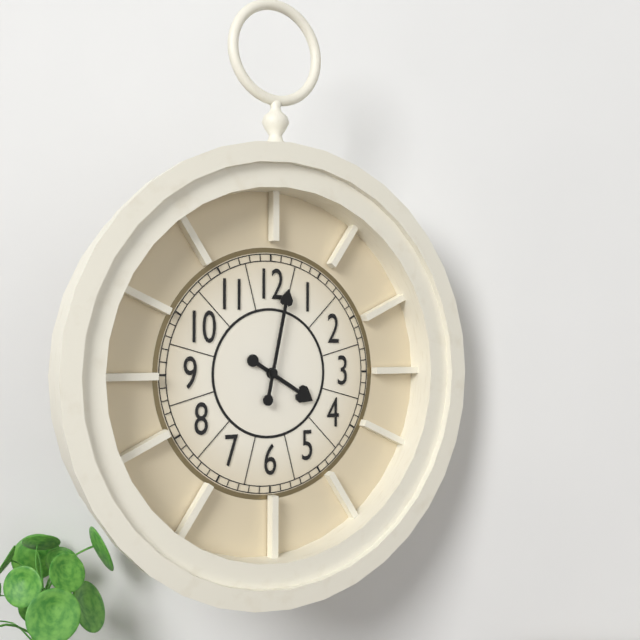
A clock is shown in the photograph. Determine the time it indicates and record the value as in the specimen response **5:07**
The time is **4:02**
